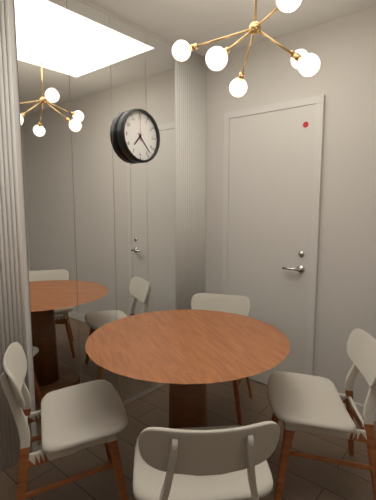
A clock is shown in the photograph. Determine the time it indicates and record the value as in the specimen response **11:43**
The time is **7:23**
